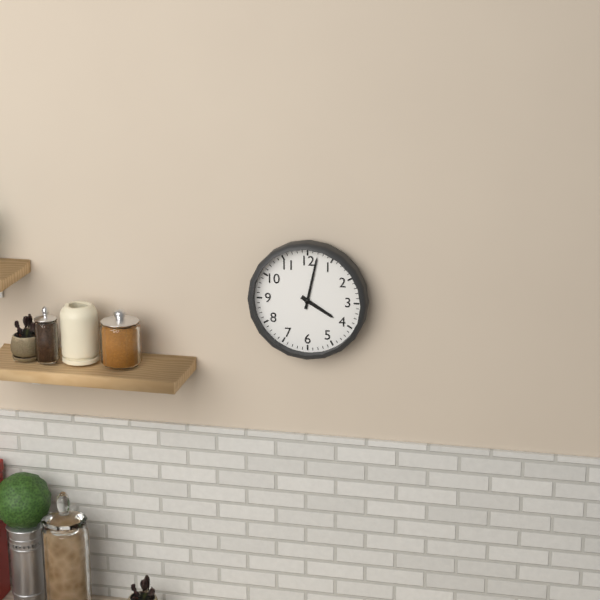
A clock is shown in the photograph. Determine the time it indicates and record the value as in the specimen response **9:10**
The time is **4:02**
